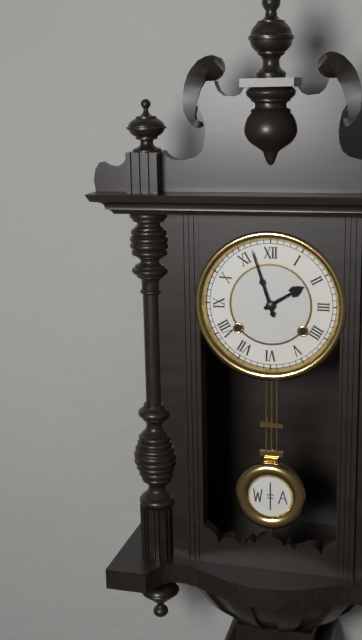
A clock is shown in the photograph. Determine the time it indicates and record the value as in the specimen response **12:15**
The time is **1:57**
